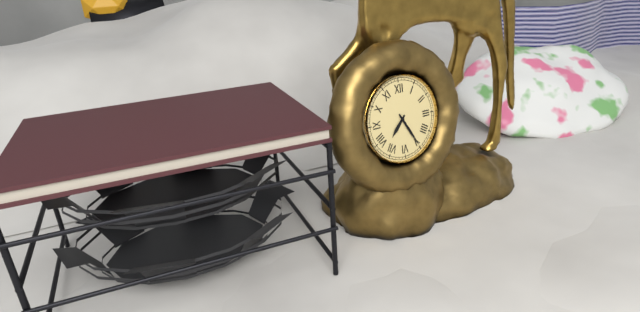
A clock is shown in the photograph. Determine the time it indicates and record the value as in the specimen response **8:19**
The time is **7:25**
